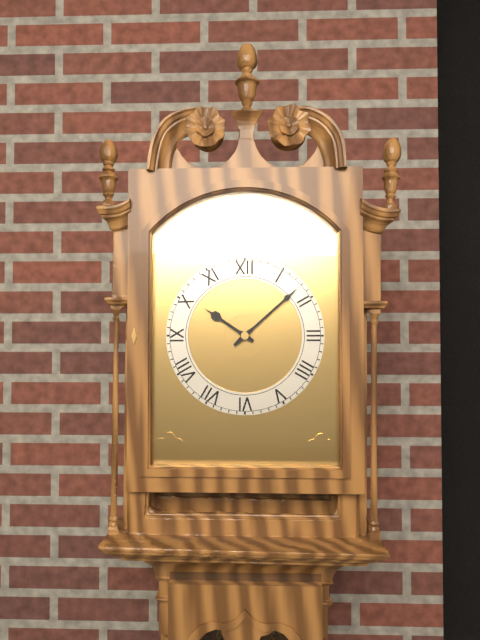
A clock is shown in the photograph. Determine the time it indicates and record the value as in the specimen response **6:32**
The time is **10:08**
